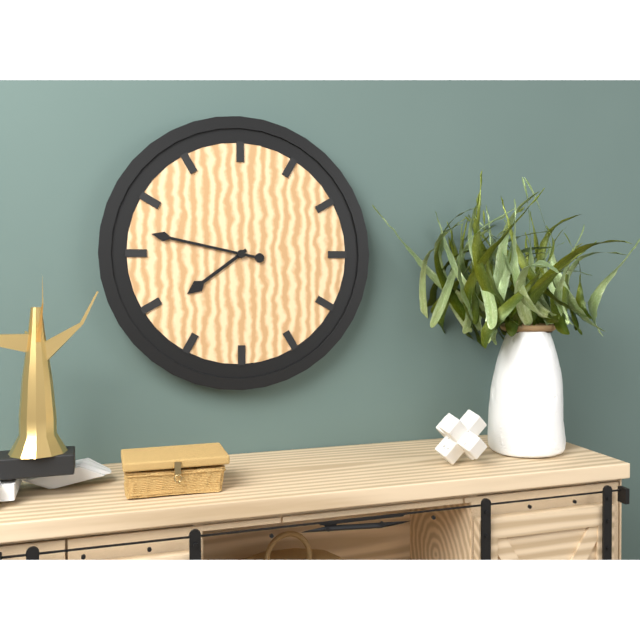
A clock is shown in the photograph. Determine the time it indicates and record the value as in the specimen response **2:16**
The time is **7:47**
